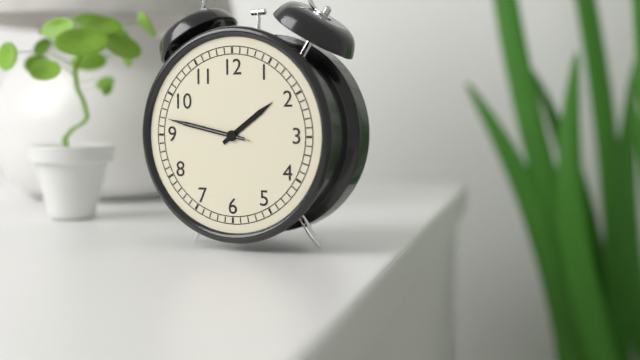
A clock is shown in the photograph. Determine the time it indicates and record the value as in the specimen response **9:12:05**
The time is **1:47:47**
